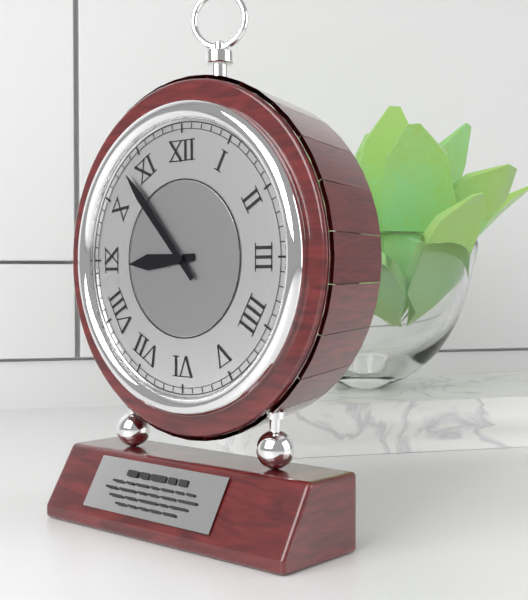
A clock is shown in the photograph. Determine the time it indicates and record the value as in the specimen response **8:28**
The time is **8:53**
